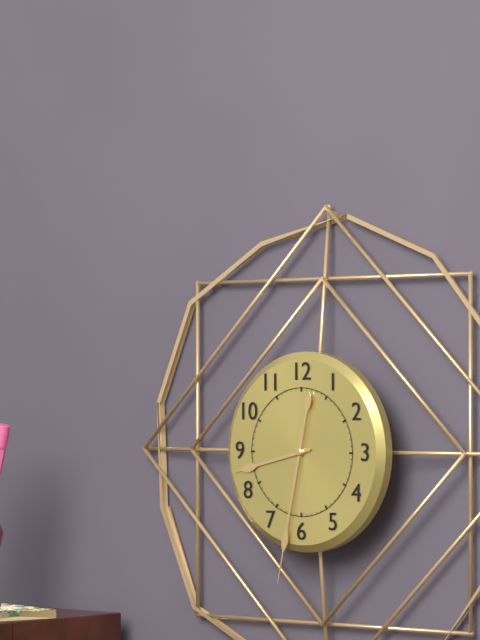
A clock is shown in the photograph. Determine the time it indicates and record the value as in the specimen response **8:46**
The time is **8:32**
